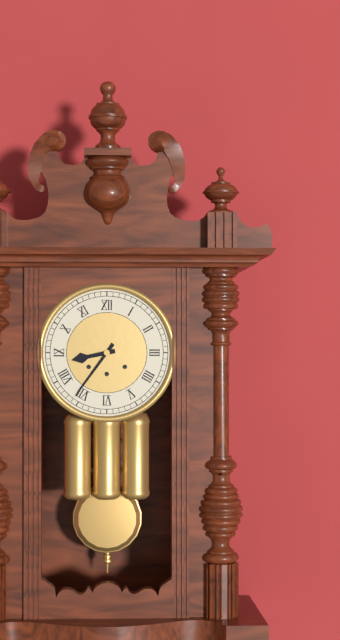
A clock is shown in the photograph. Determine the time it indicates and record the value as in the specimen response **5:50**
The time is **8:36**
